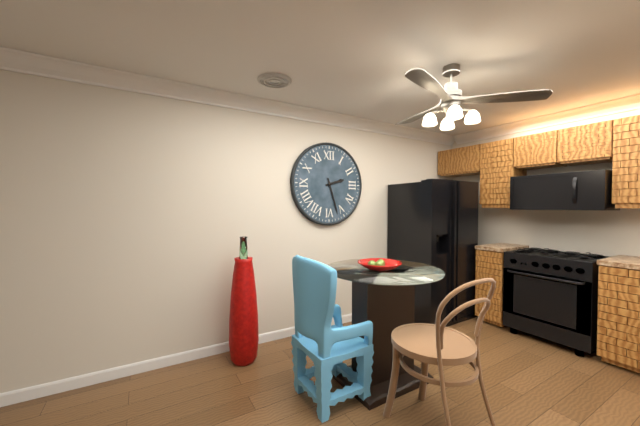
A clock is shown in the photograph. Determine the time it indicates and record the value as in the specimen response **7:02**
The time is **2:27**
